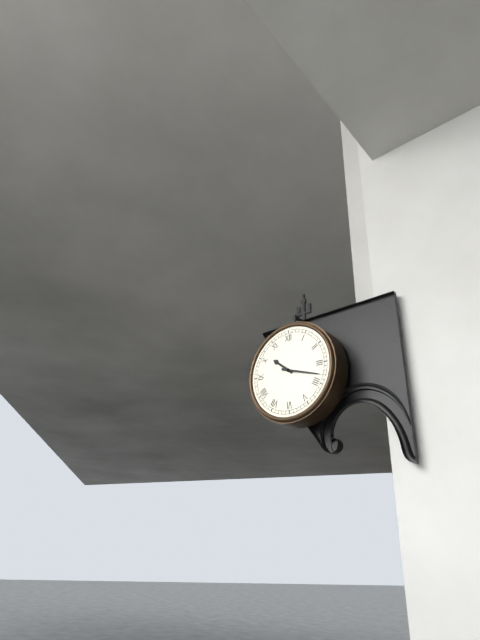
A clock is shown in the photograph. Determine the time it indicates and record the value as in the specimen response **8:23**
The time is **10:18**
